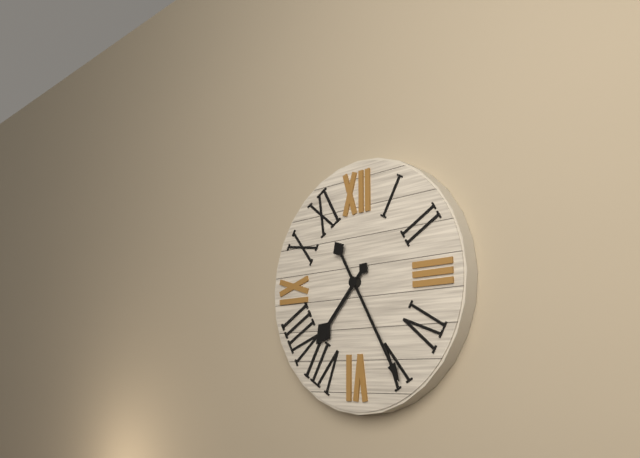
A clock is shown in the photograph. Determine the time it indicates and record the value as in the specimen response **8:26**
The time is **7:25**
